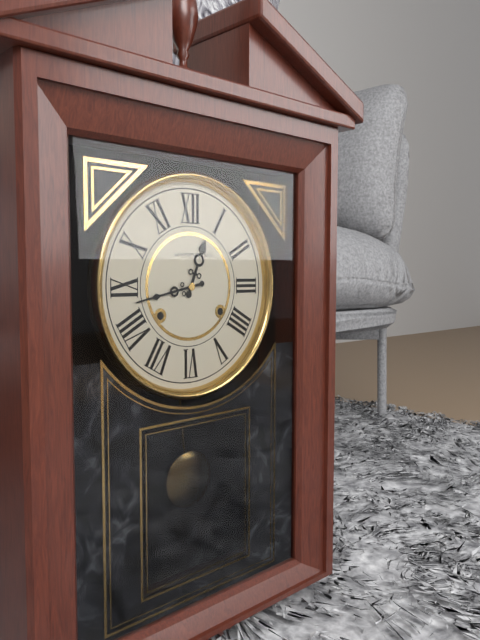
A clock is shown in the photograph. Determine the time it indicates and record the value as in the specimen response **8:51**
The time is **12:43**
